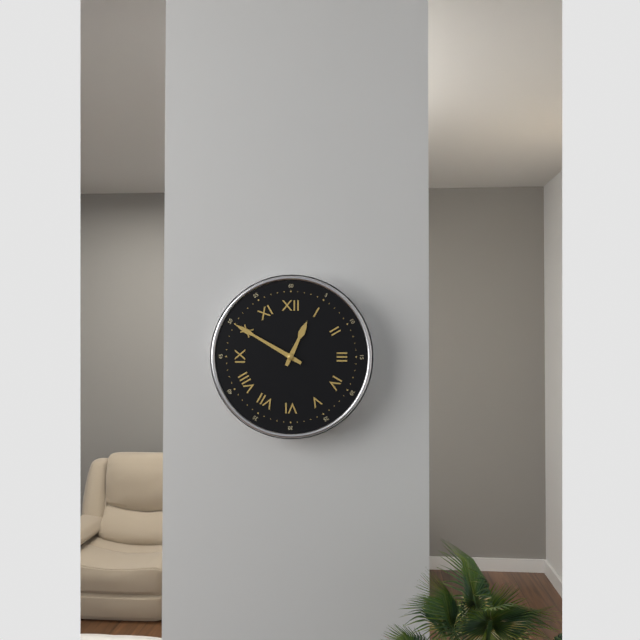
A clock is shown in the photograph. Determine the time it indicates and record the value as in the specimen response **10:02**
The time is **12:50**
